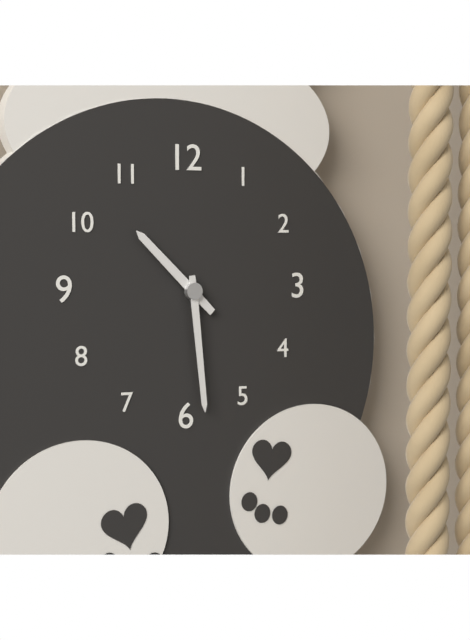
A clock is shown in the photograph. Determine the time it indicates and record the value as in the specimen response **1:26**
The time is **10:29**
